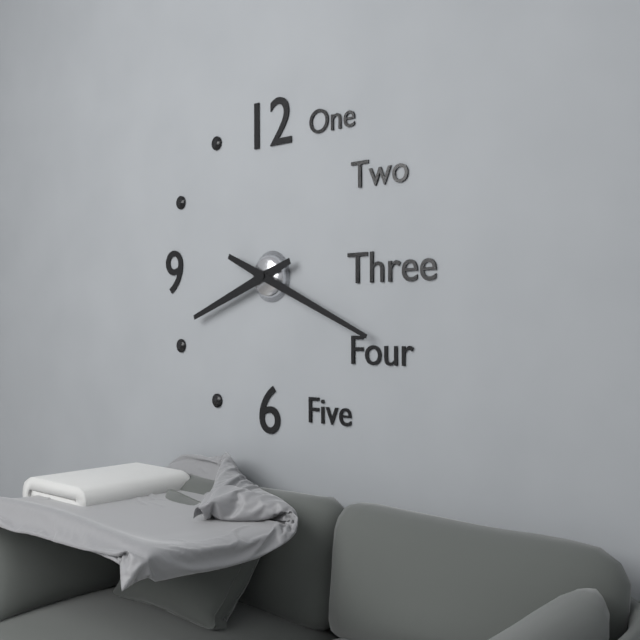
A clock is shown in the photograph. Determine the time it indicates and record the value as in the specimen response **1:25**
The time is **8:19**
